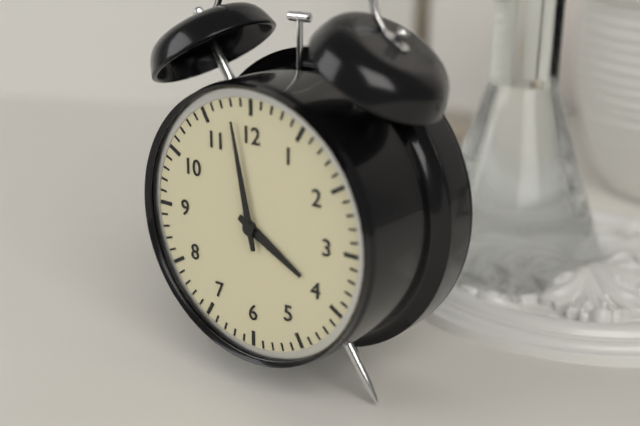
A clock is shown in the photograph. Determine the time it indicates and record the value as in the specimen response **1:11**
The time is **3:58**
